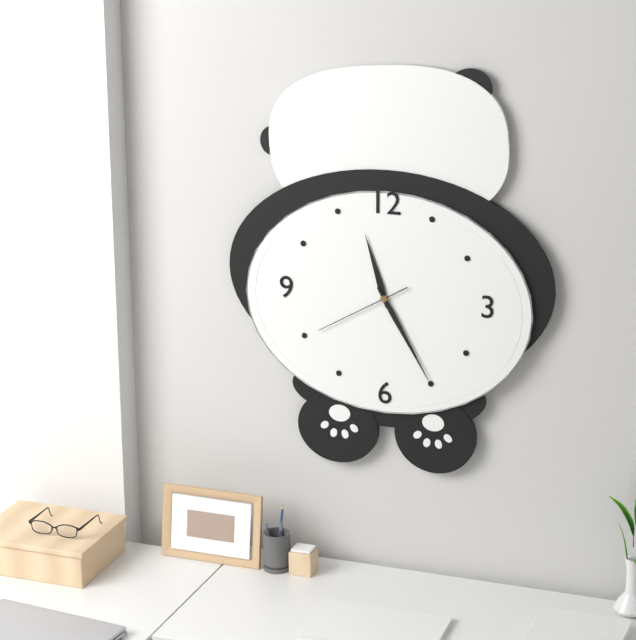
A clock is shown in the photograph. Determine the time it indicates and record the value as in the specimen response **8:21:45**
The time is **11:25:40**
